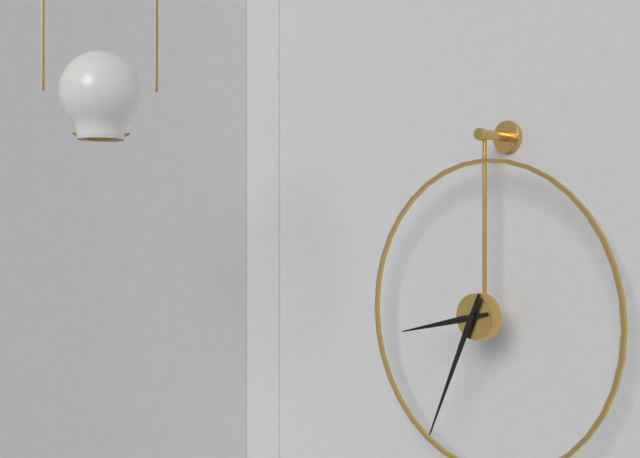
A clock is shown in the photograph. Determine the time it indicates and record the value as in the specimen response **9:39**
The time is **8:34**
